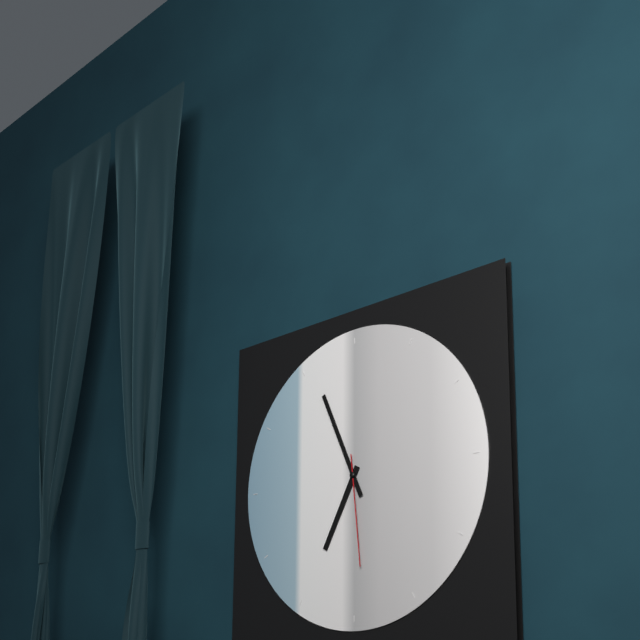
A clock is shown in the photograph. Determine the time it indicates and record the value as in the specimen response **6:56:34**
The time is **6:56:29**
